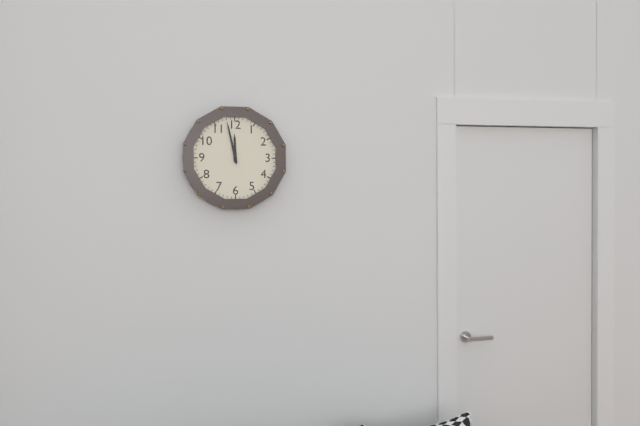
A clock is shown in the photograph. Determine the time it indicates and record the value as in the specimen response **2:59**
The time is **11:58**
